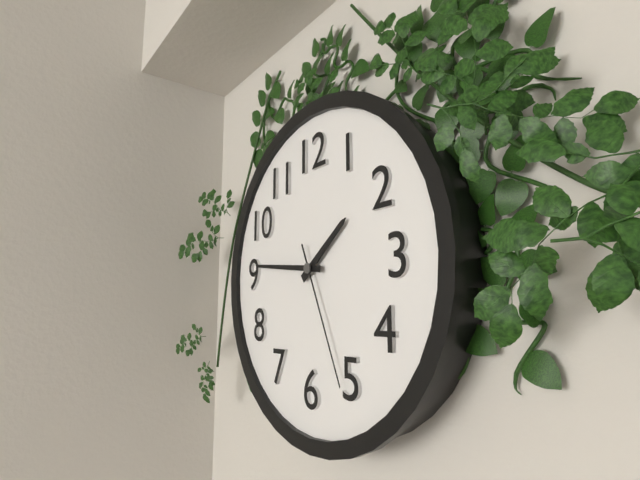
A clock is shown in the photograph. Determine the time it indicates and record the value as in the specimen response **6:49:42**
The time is **1:46:26**
